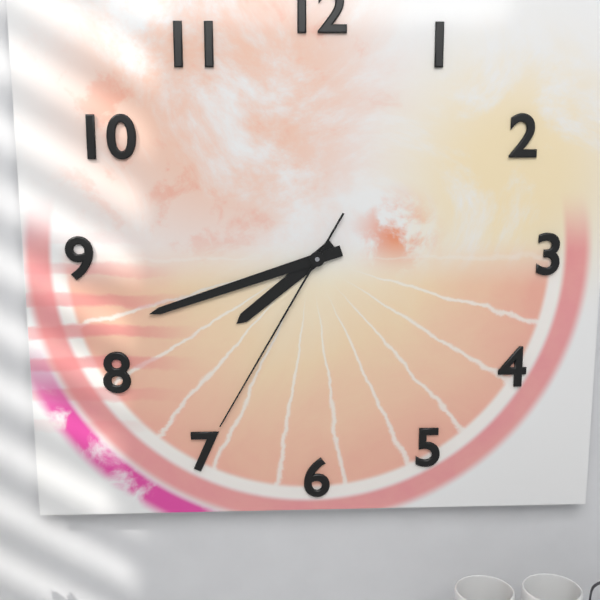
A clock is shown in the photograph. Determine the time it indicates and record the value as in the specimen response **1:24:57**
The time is **7:42:35**
